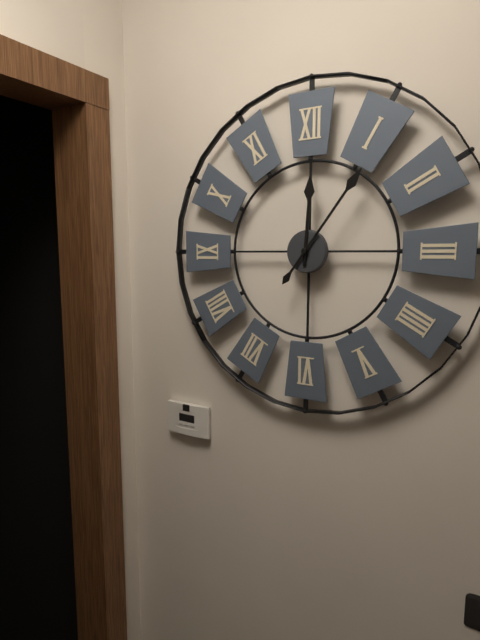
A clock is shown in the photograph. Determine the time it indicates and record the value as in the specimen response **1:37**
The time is **12:06**
